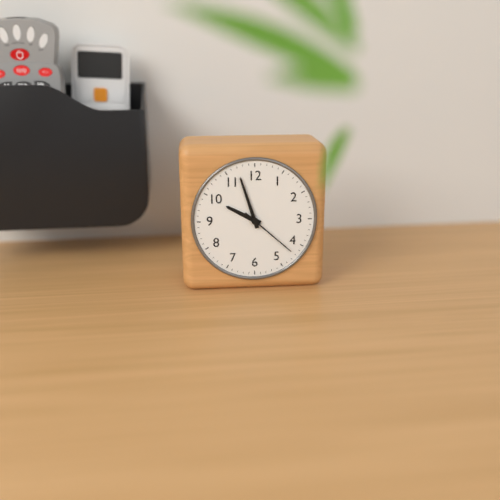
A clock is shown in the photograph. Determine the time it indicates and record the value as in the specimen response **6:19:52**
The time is **9:57:22**
